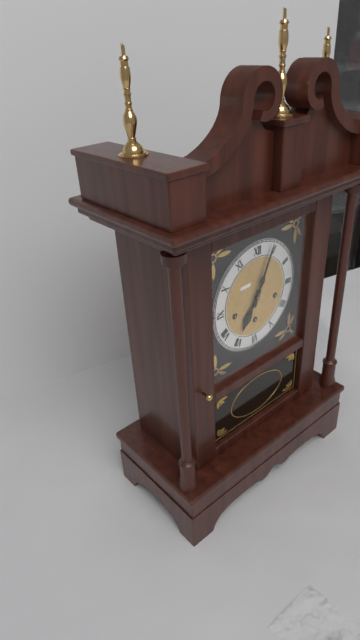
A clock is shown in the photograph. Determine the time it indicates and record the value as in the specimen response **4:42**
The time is **7:04**
